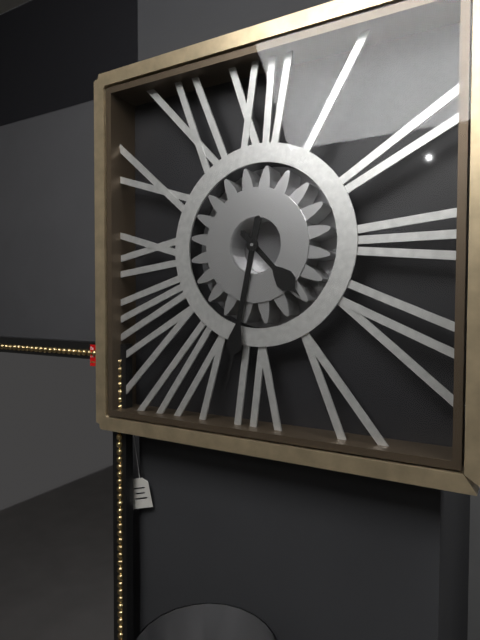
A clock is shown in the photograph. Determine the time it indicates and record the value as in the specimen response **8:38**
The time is **4:32**
